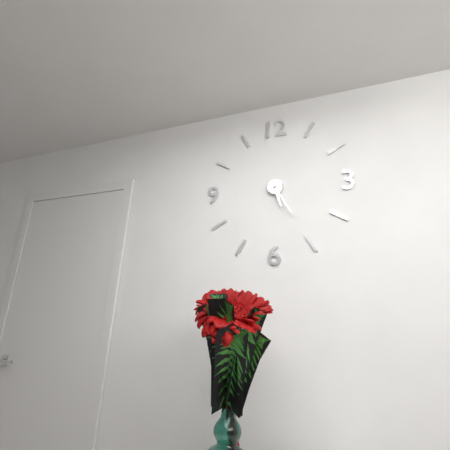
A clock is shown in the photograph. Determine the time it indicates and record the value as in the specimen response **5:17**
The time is **5:25**
